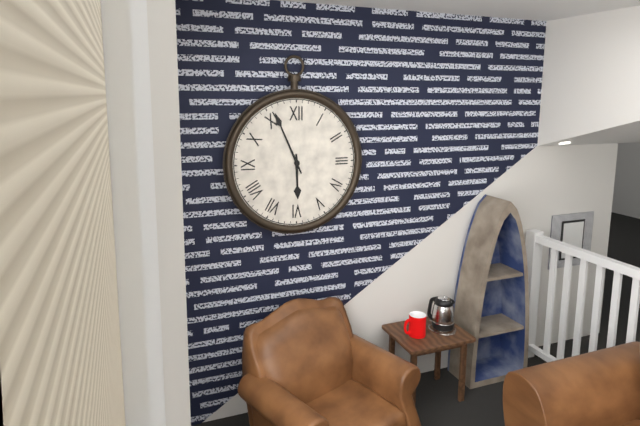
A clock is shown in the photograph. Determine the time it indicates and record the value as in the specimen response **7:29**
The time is **5:56**
